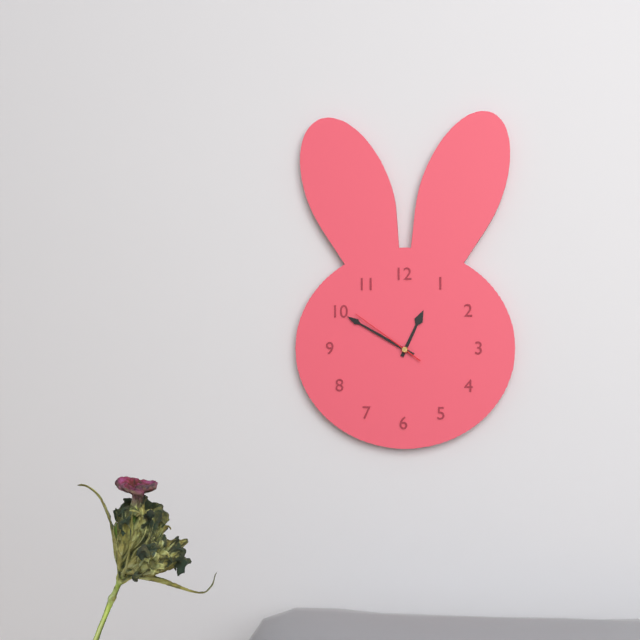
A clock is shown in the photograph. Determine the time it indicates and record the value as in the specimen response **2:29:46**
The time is **12:50:51**
